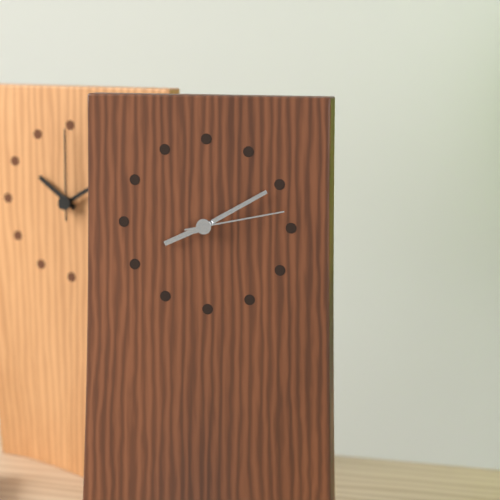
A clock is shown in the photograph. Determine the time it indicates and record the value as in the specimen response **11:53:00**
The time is **8:10:13**
